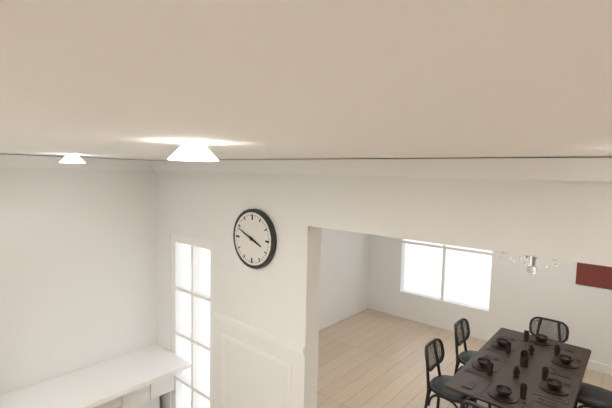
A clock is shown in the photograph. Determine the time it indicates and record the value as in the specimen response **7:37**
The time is **3:49**
